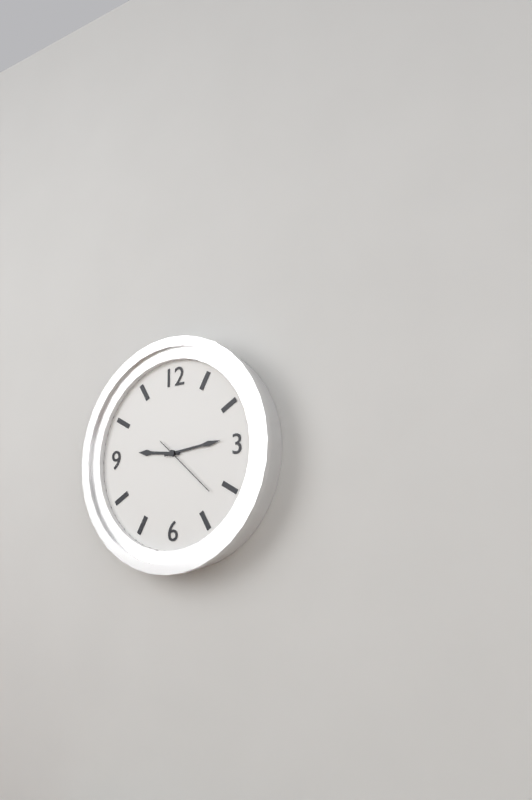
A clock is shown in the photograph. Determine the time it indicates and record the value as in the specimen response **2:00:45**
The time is **9:14:22**
